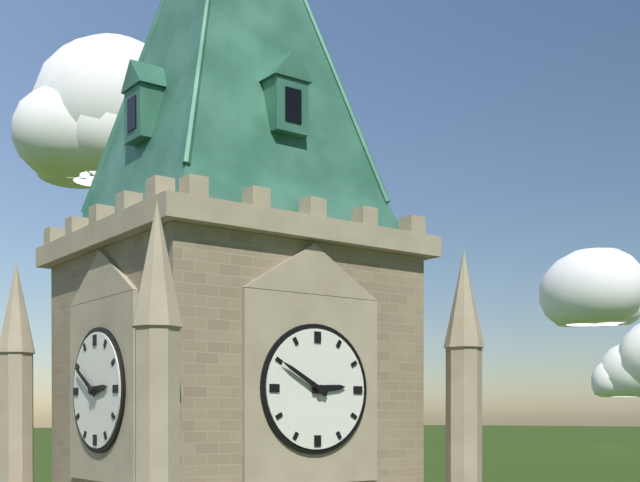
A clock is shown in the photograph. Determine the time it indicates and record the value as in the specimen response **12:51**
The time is **2:50**
